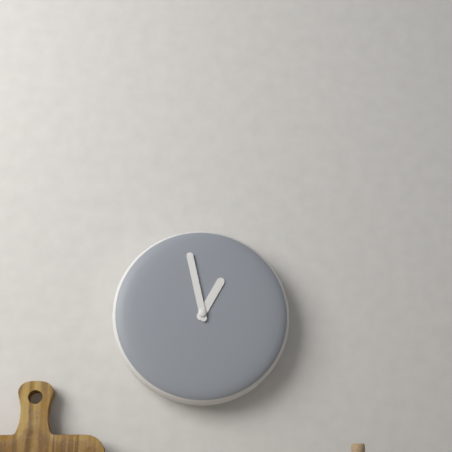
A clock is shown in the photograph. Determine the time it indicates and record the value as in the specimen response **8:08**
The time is **12:58**
